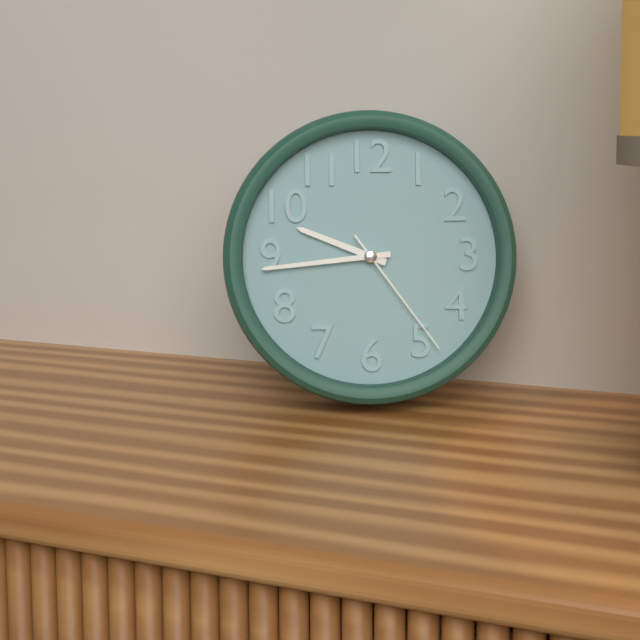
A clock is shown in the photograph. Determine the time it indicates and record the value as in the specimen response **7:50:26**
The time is **9:44:24**
